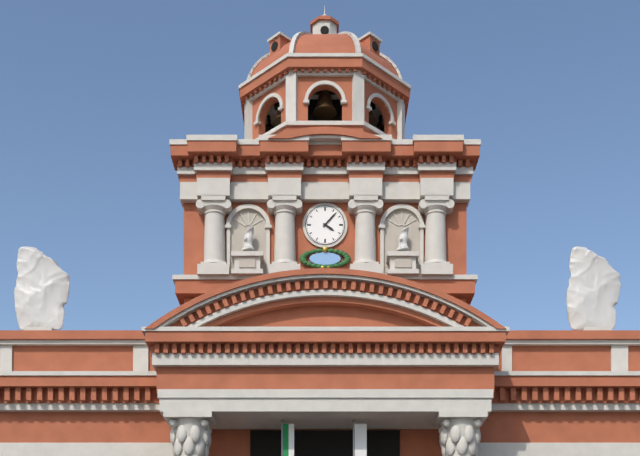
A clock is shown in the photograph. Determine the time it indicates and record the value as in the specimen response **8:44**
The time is **4:07**
